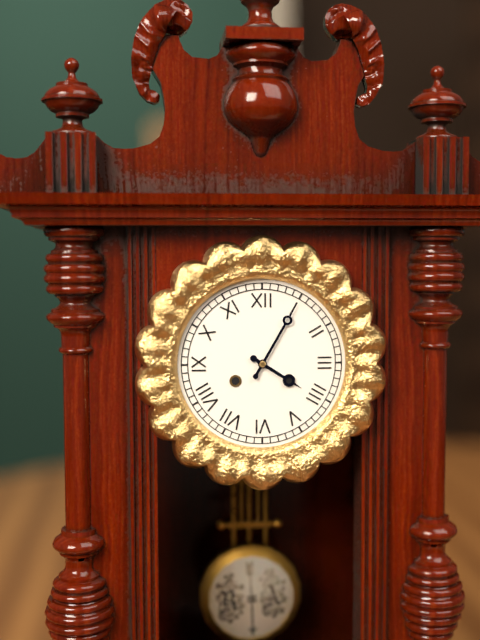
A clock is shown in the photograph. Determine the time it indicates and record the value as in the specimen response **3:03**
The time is **4:05**
